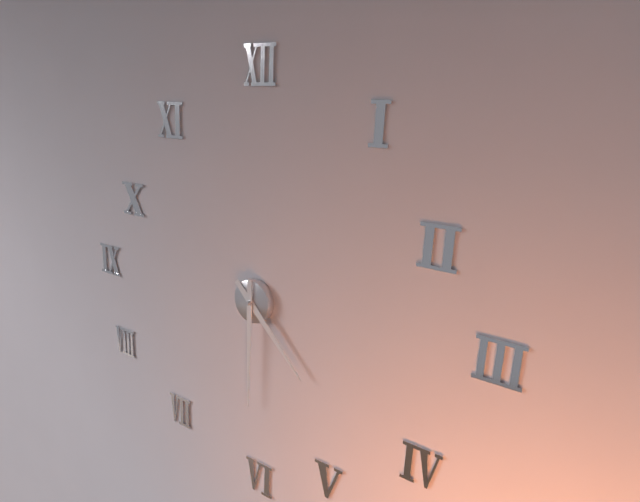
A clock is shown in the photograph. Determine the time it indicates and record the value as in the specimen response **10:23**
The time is **4:30**
